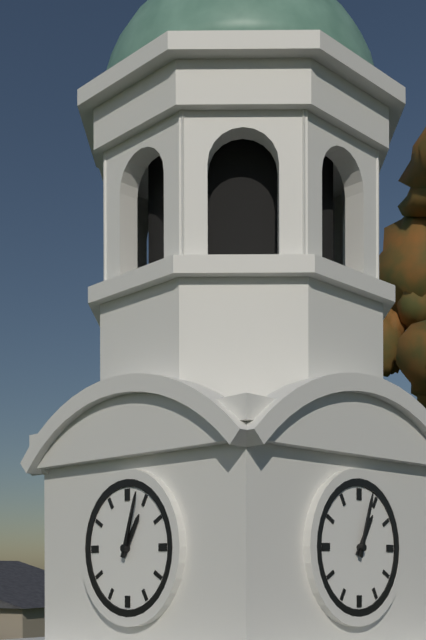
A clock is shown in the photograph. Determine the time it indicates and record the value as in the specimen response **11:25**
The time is **1:03**
